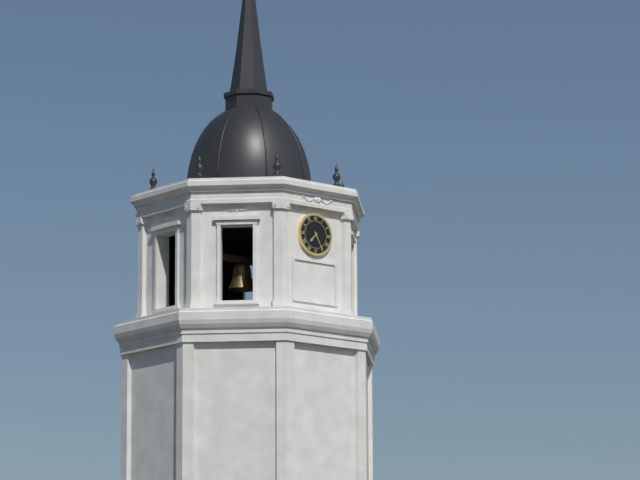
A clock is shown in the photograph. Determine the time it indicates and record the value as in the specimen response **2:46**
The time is **7:25**
